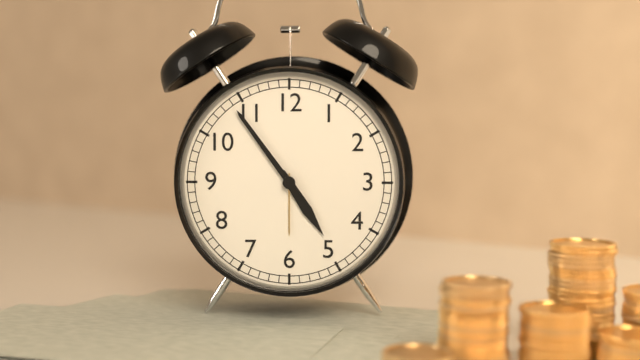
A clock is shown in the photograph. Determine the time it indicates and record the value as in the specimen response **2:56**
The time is **4:54**
